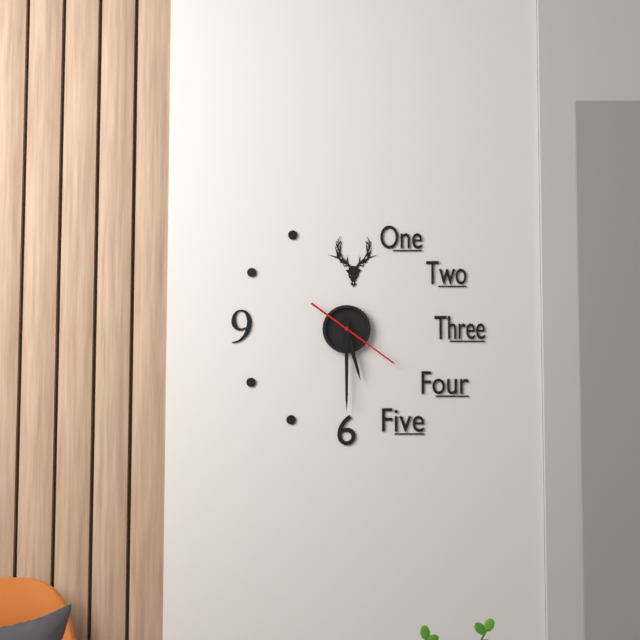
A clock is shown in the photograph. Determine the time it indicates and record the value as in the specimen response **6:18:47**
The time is **5:30:21**
